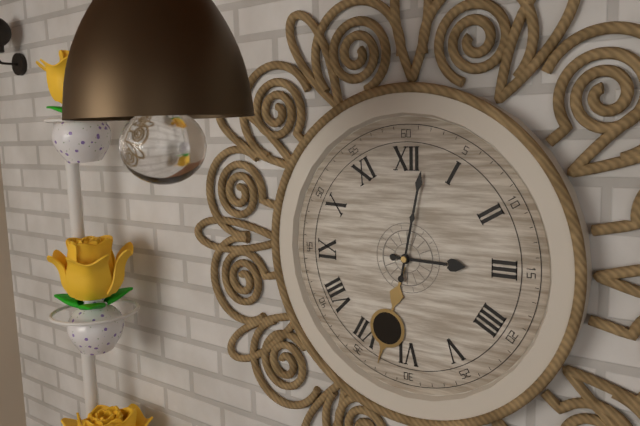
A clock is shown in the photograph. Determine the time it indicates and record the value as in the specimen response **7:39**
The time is **3:02**
